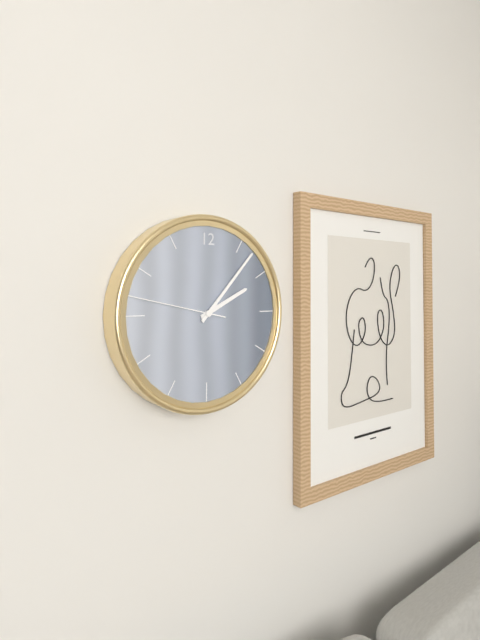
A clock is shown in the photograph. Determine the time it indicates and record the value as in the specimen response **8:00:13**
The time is **2:07:47**
